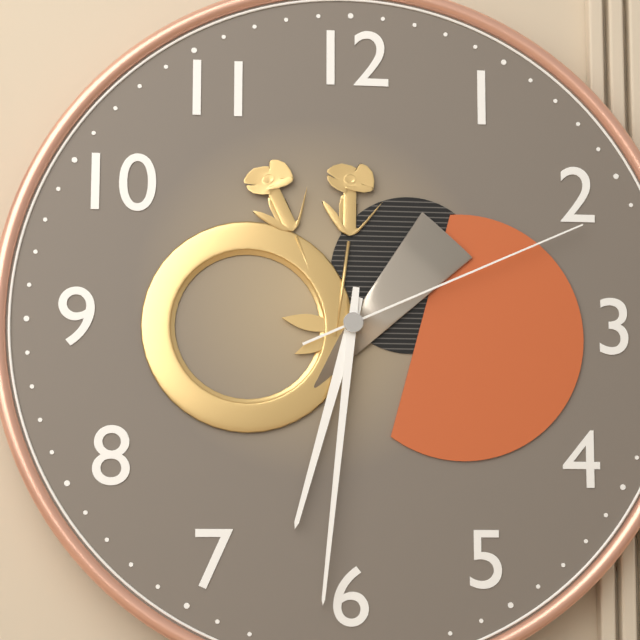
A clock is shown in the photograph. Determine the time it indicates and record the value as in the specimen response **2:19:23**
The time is **6:31:11**
